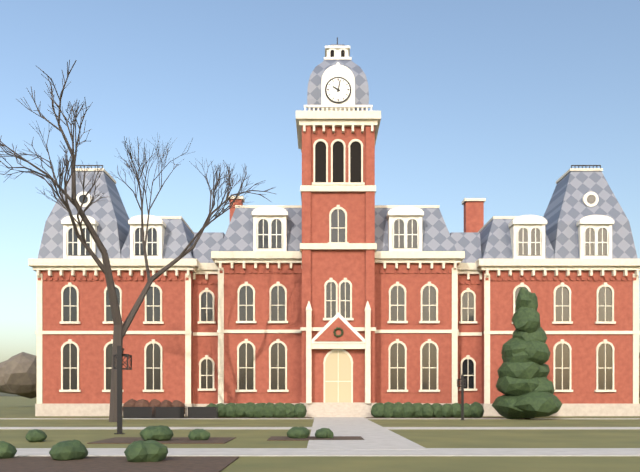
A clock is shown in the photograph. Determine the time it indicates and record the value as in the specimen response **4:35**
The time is **10:02**
